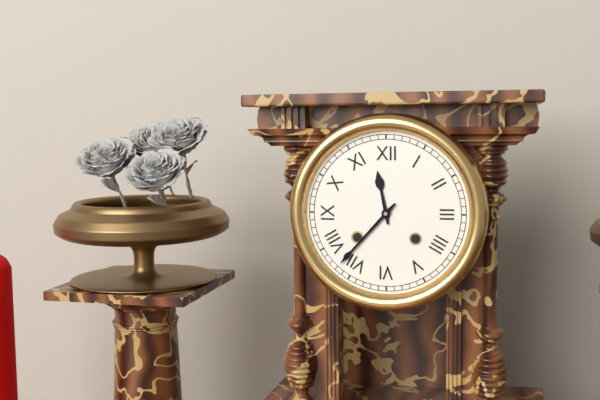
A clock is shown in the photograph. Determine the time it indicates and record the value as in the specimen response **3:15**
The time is **11:37**
